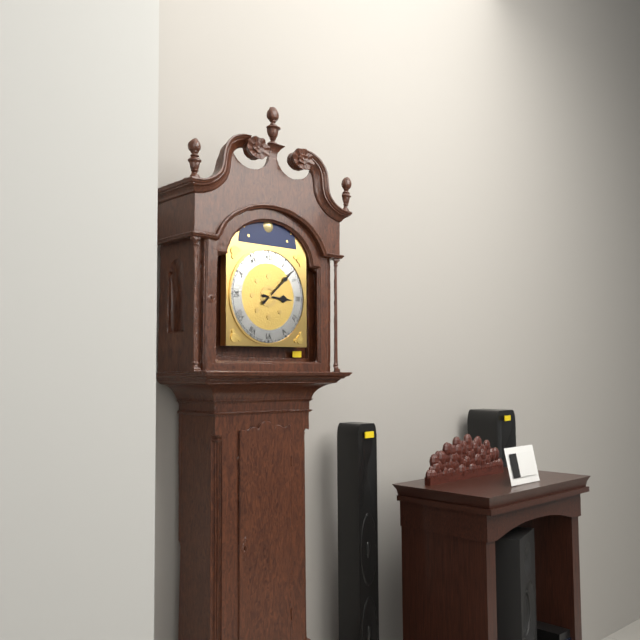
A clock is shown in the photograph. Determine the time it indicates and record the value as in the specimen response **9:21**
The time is **3:08**
